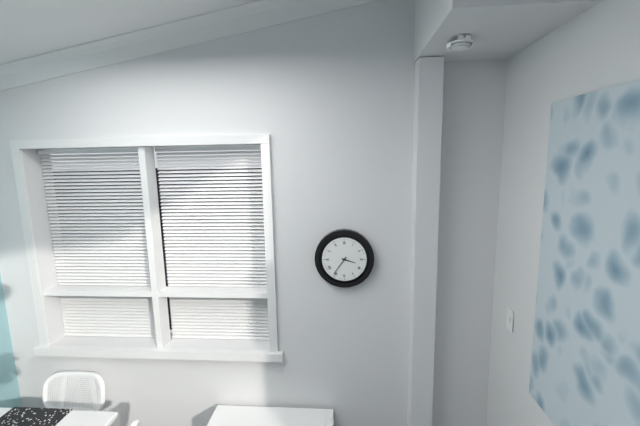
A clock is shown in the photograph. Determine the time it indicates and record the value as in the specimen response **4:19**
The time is **3:36**
